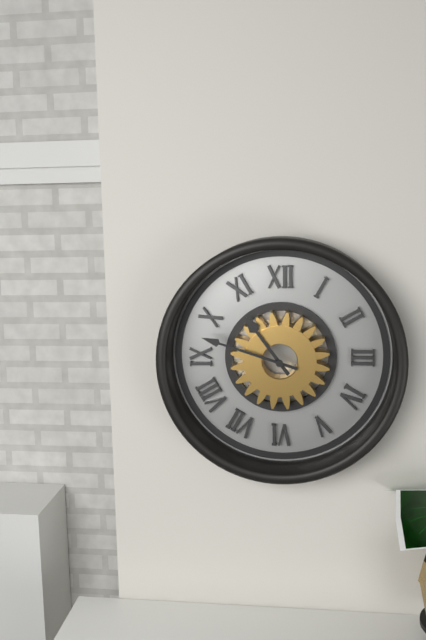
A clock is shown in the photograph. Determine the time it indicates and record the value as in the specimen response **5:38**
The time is **10:48**
